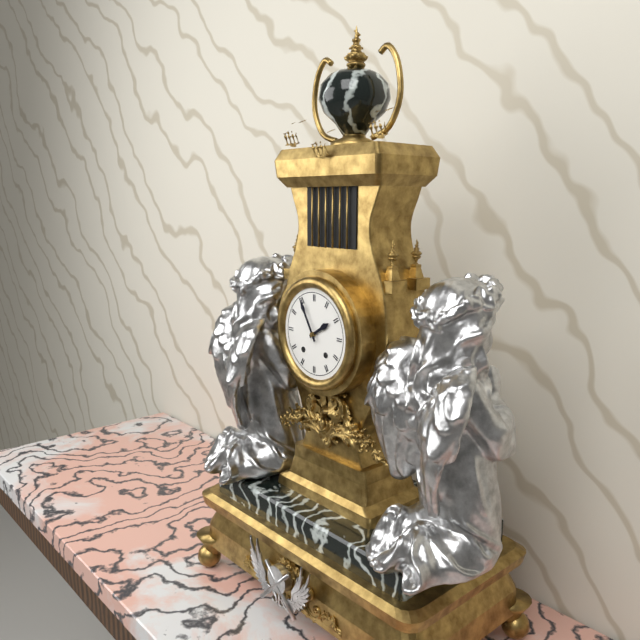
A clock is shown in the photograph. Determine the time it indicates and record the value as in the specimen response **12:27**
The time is **1:55**
